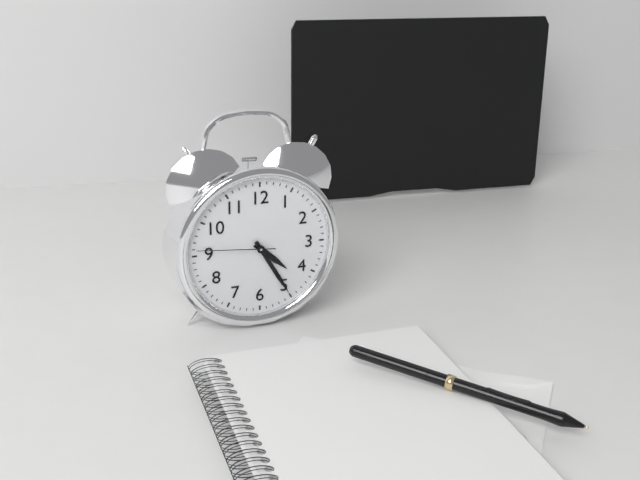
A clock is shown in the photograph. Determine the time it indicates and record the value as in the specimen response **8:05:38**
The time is **4:25:46**
